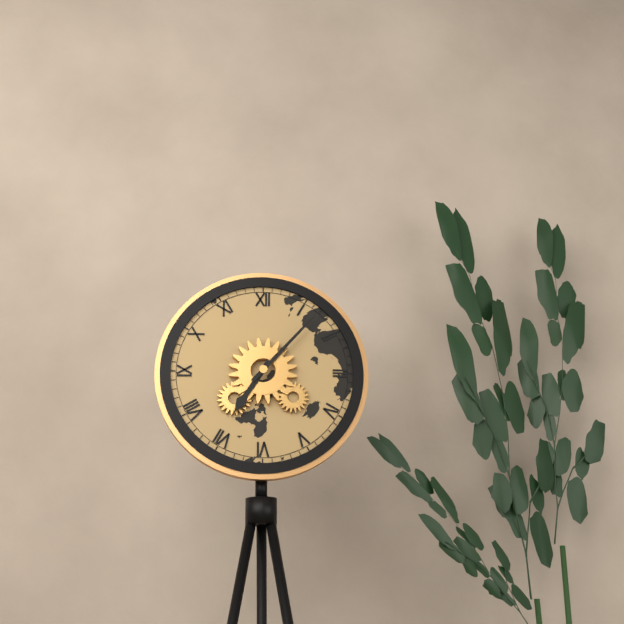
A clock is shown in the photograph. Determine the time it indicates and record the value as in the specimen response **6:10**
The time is **7:07**
